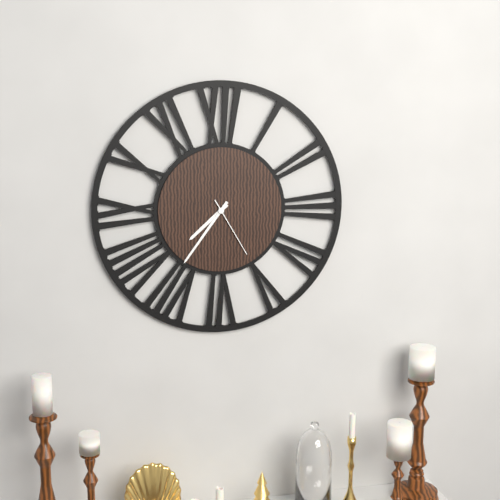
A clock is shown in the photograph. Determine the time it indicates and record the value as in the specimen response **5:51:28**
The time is **7:36:25**
